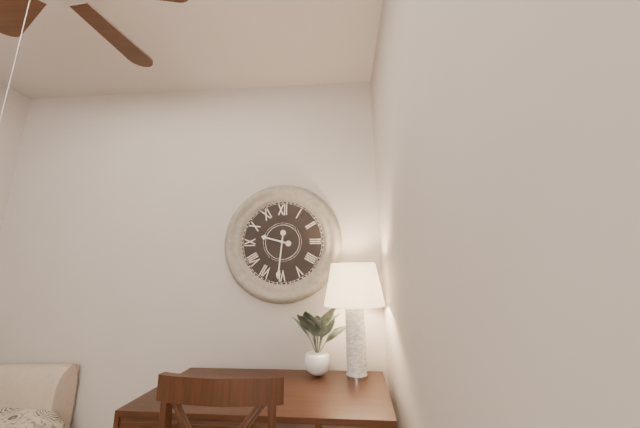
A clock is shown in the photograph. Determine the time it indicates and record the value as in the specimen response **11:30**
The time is **9:31**
